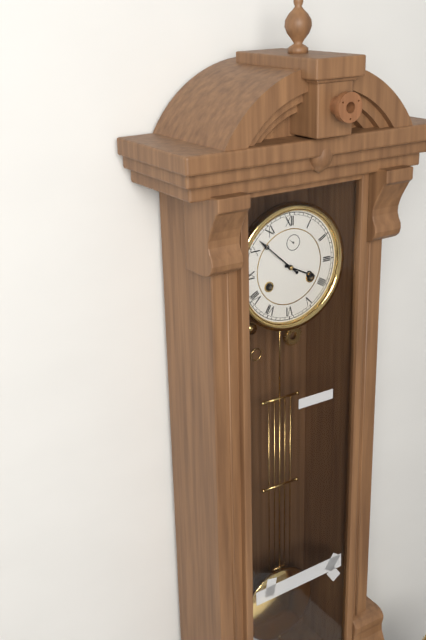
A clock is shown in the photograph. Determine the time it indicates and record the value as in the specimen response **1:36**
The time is **3:52**
